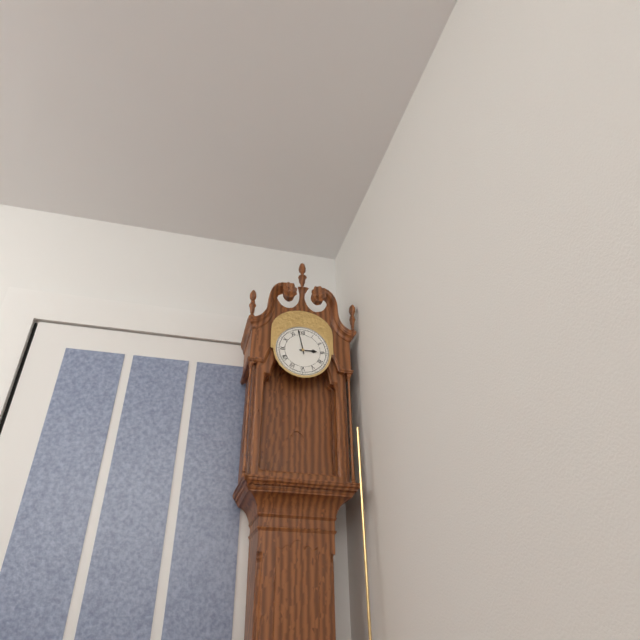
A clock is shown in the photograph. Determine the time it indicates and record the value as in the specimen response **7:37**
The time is **2:58**
